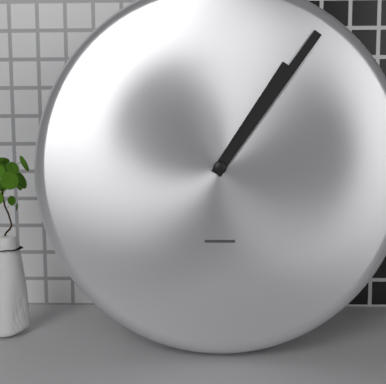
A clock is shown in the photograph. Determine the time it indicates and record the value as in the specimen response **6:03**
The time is **1:06**
